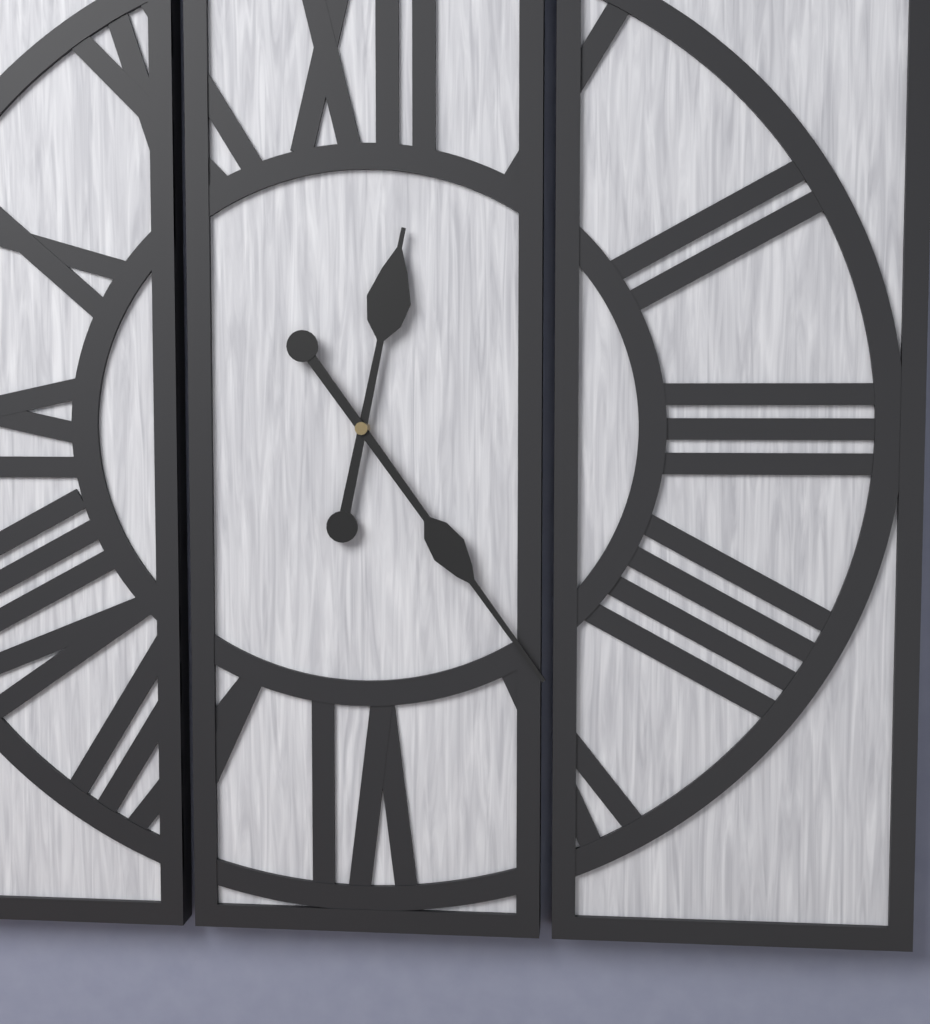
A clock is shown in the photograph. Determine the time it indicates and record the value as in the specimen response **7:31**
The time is **12:24**
